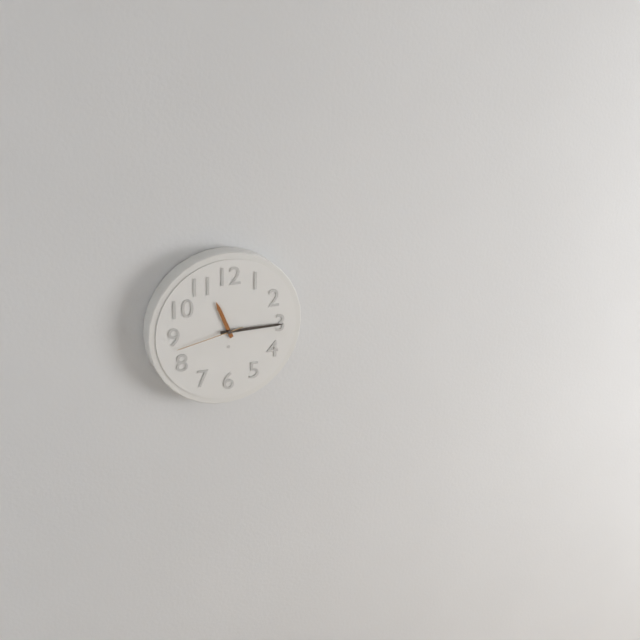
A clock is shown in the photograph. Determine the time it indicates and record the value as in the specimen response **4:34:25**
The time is **11:15:43**
